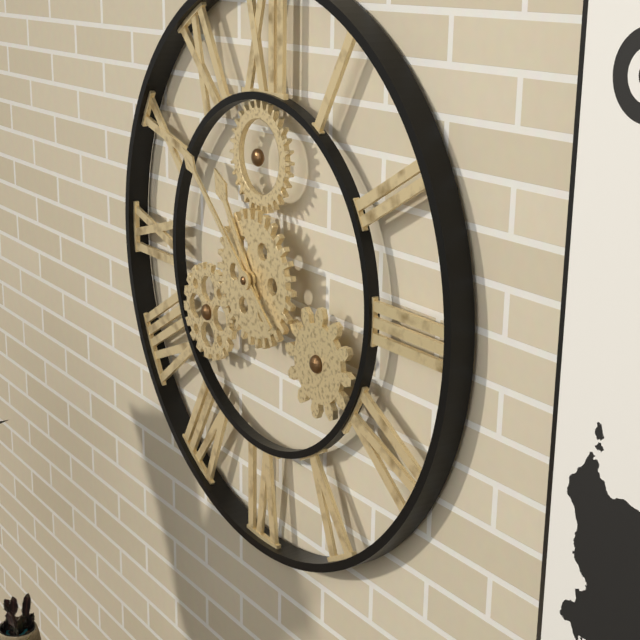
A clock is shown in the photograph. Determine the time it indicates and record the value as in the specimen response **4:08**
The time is **10:52**
